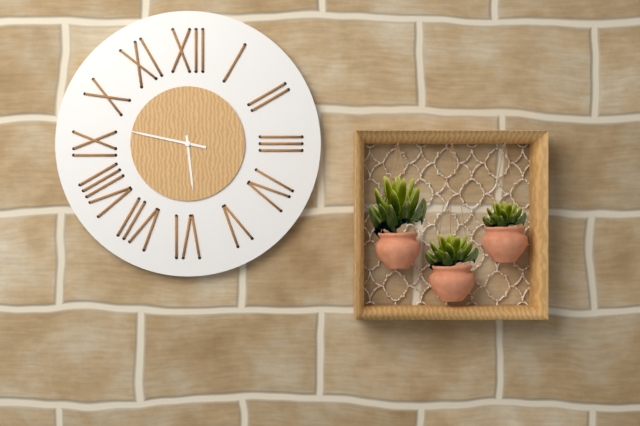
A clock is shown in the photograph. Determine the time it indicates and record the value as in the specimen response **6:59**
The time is **5:47**
